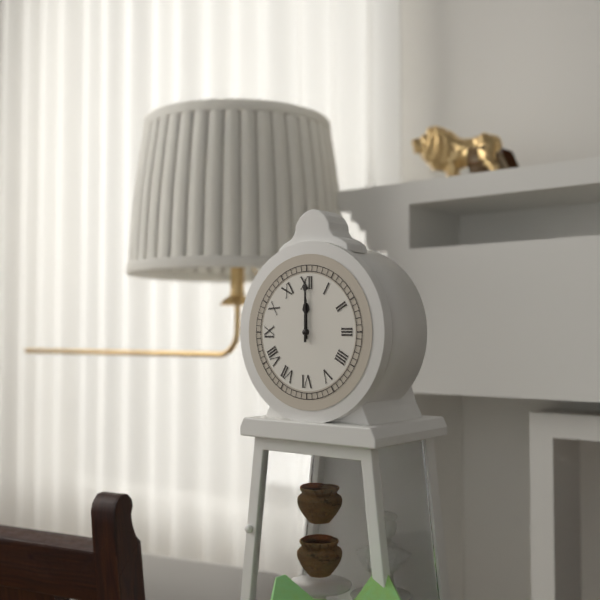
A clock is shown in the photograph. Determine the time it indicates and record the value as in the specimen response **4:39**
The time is **12:00**
